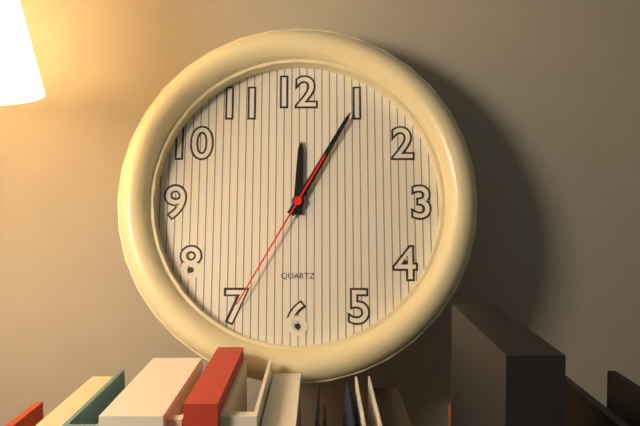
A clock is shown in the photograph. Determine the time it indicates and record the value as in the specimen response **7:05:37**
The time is **12:05:35**
